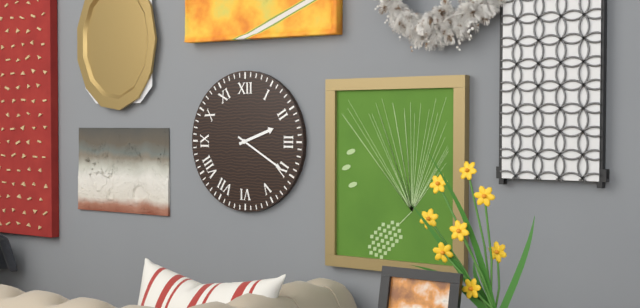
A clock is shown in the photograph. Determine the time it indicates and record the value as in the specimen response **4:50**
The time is **2:20**
